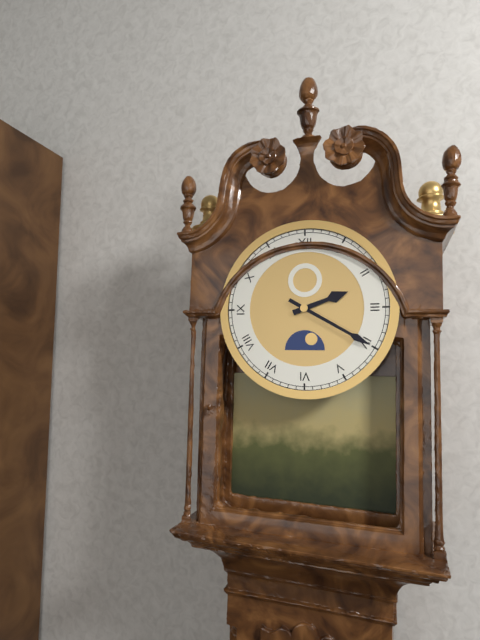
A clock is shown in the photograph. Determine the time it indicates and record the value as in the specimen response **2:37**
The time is **2:20**
